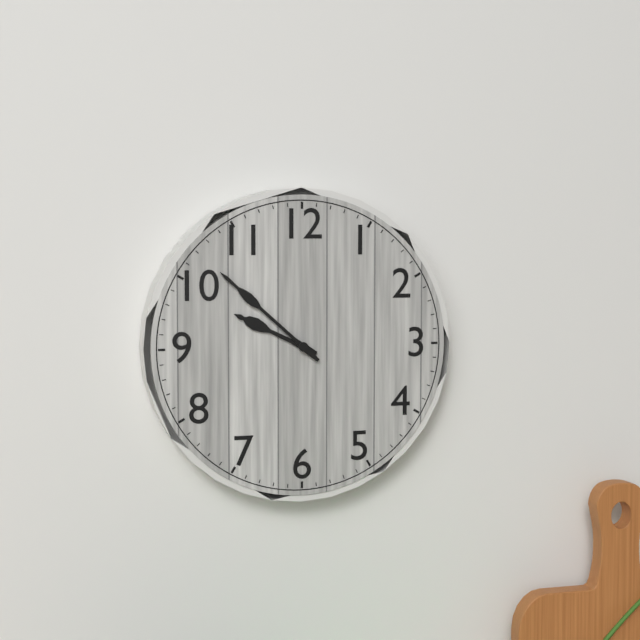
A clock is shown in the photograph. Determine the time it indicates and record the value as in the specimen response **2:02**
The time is **9:52**
